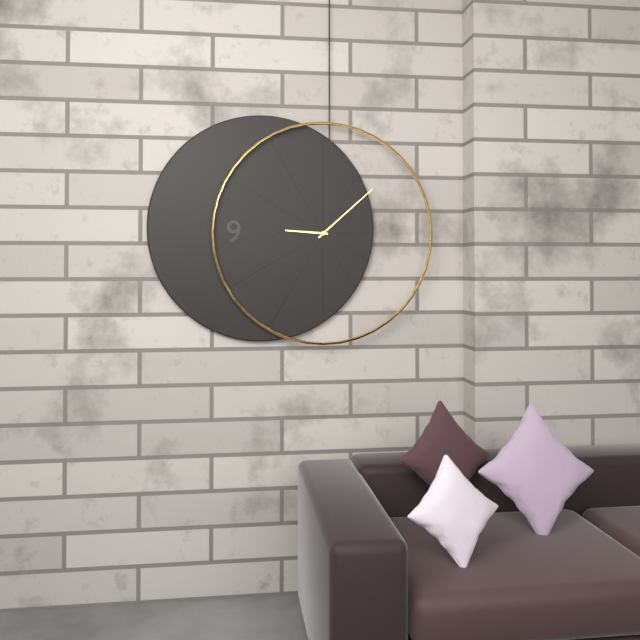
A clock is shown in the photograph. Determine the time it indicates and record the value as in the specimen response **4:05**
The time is **9:08**
